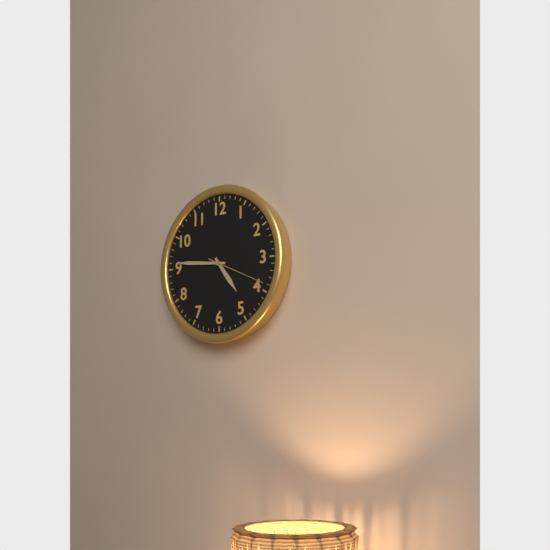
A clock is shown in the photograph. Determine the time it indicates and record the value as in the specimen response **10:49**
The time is **4:46**
